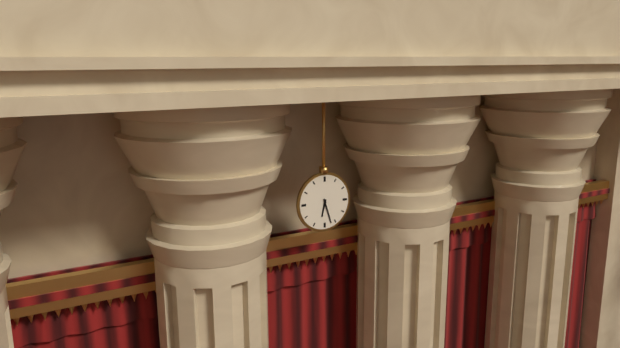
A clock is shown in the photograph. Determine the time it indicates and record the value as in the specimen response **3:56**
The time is **6:27**
